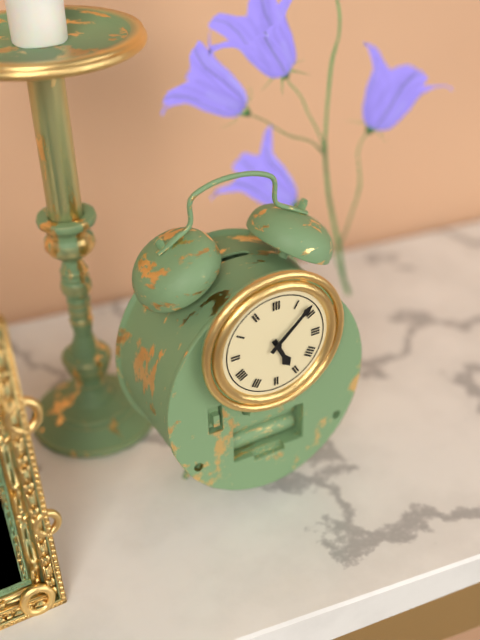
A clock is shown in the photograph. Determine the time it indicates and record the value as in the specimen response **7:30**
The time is **5:08**
